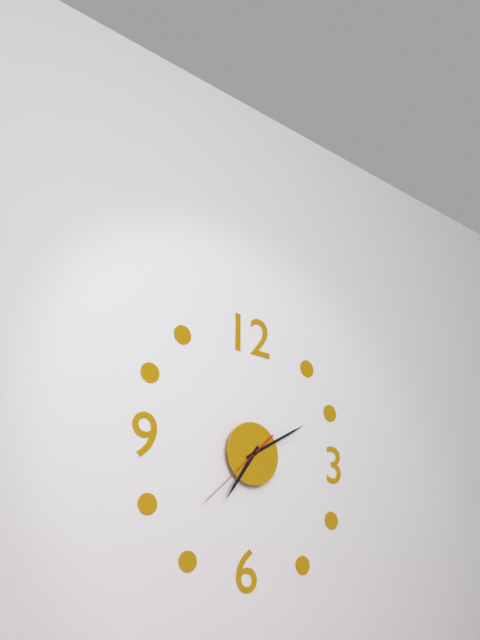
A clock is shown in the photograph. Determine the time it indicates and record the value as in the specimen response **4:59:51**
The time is **7:10:38**
